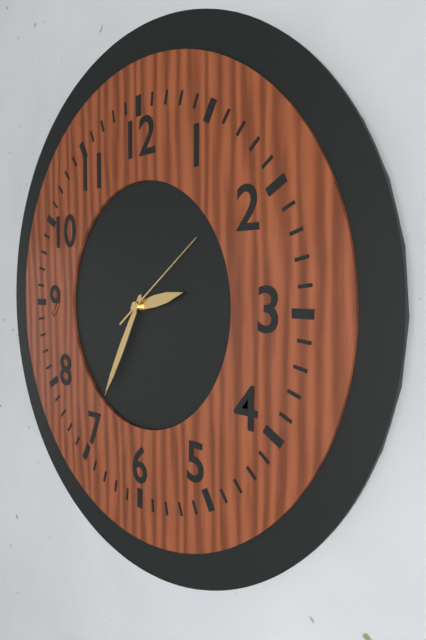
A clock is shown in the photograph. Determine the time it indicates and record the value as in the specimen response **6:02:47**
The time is **2:35:09**
